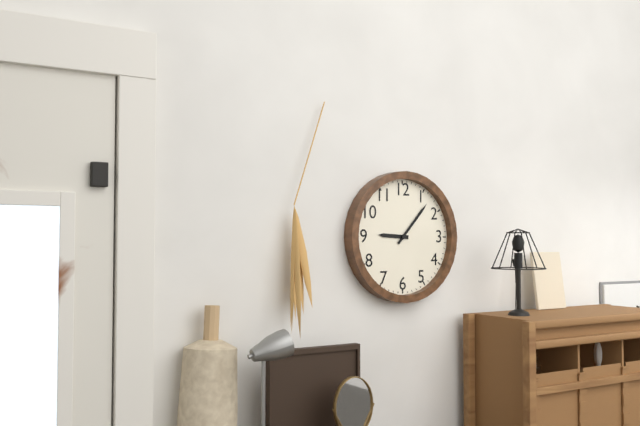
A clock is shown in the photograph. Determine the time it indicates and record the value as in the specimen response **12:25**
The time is **9:07**
